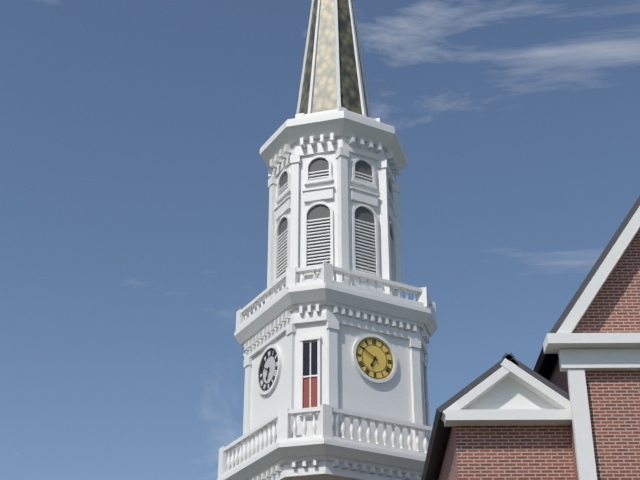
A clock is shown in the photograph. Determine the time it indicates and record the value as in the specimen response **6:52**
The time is **6:50**
